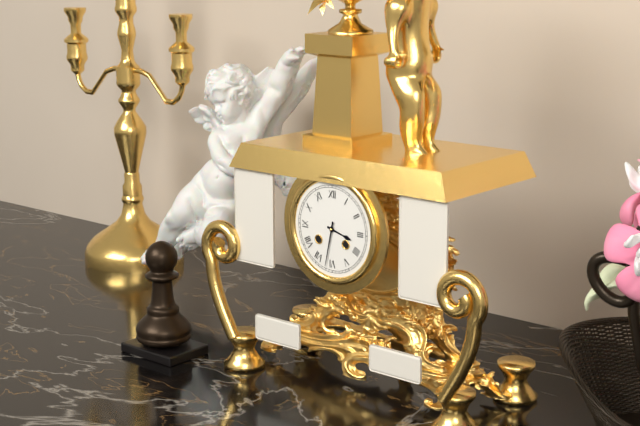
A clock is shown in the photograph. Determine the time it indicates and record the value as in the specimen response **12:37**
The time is **3:32**
